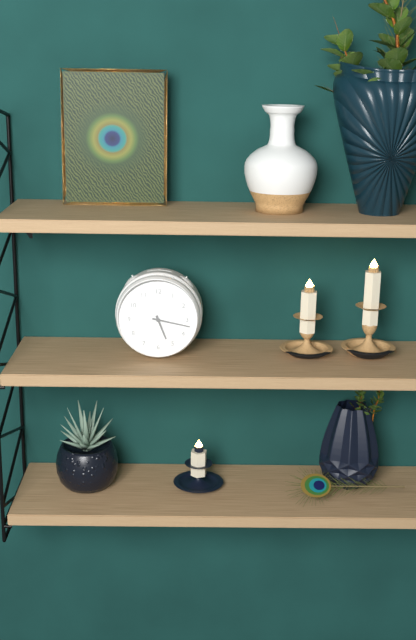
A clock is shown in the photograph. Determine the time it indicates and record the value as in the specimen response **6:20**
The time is **5:17**
